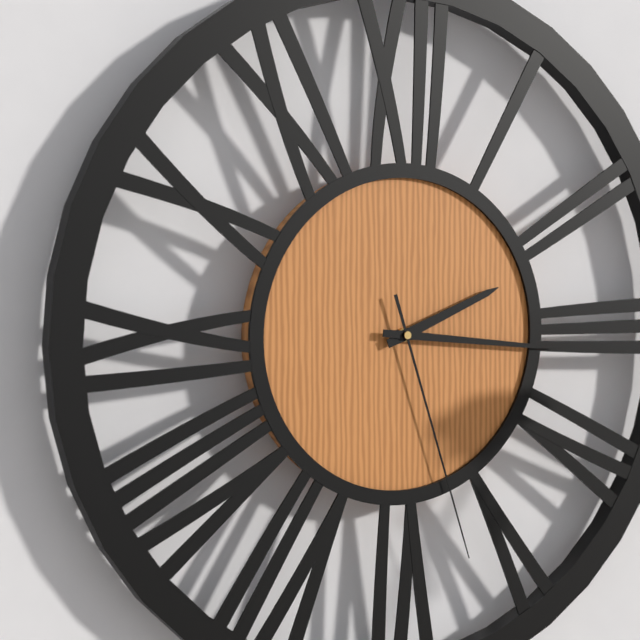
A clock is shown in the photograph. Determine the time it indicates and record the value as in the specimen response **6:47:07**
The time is **2:16:27**
